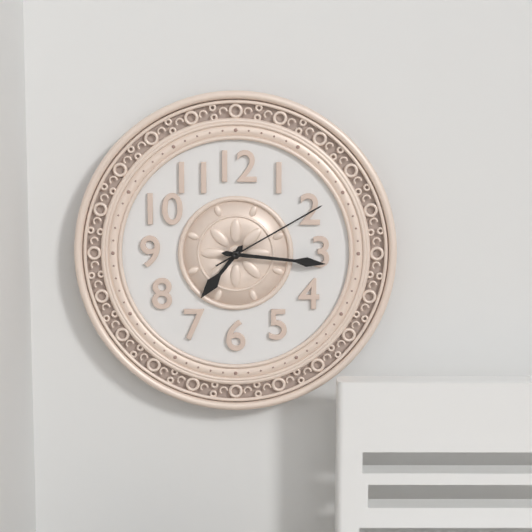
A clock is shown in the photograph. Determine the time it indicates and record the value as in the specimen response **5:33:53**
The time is **7:16:10**
